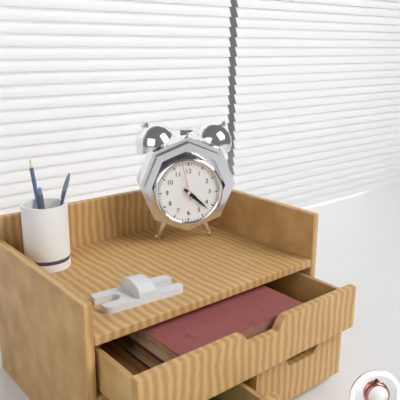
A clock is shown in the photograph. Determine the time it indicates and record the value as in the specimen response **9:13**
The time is **4:22**
